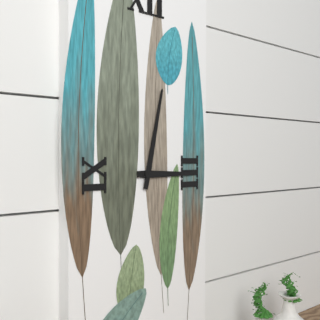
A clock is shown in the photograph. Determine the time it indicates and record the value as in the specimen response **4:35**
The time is **3:02**
